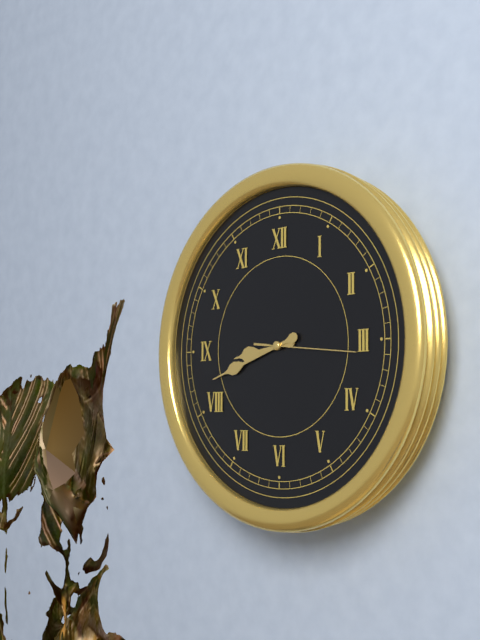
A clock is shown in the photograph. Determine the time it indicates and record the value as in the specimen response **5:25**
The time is **8:42**
